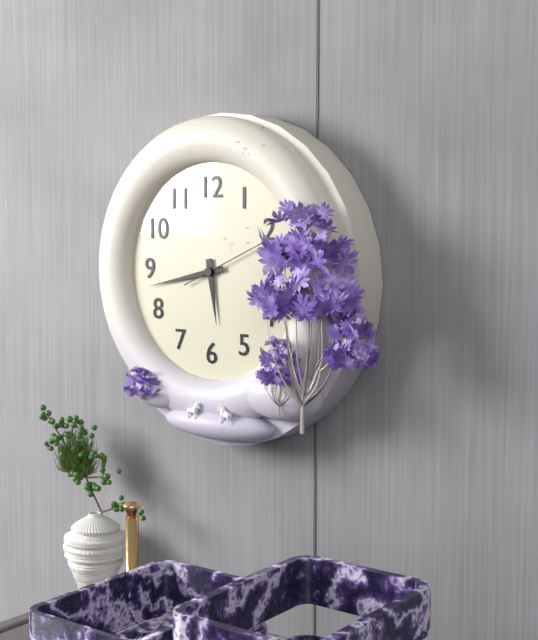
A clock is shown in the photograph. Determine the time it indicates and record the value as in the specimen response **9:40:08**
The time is **5:43:11**
